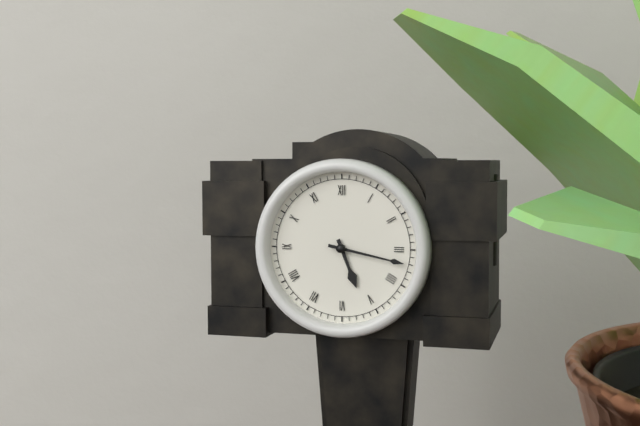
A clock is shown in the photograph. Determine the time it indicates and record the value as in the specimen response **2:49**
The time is **5:17**
